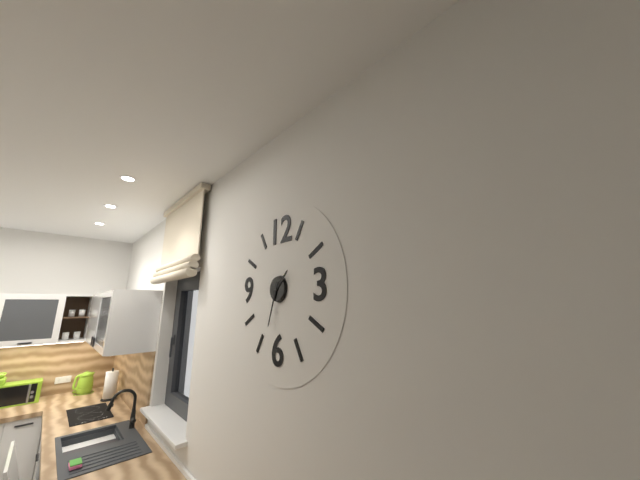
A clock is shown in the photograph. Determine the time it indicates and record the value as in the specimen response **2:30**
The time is **1:33**
